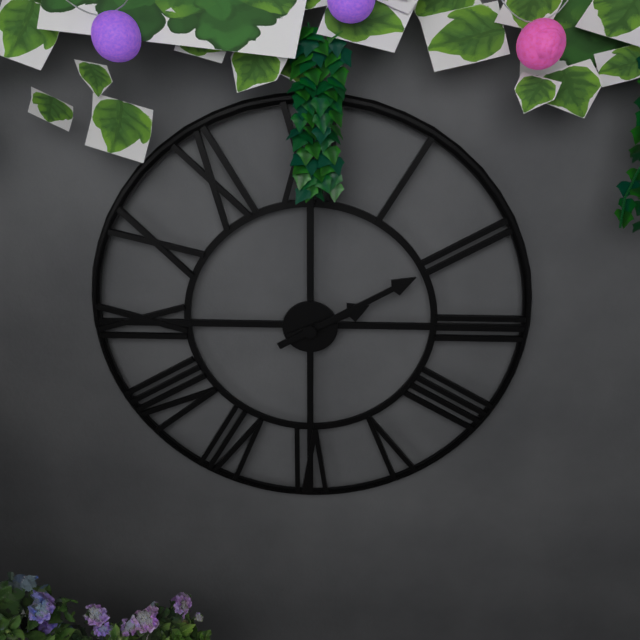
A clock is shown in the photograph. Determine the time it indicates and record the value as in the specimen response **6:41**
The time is **2:10**
